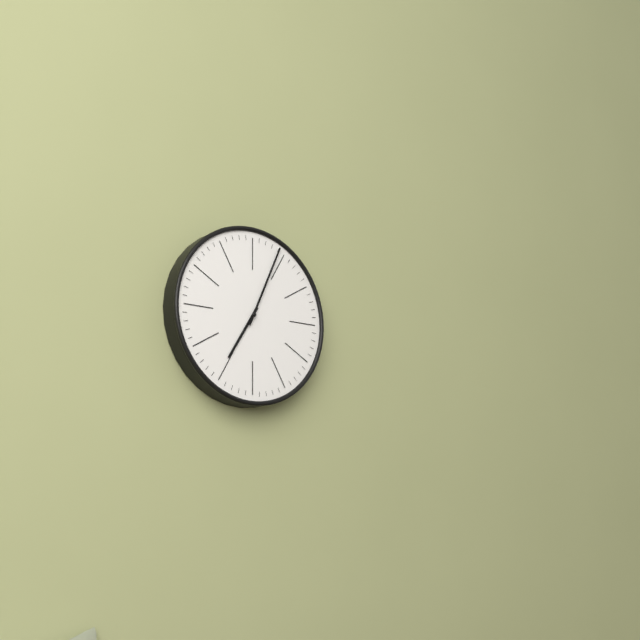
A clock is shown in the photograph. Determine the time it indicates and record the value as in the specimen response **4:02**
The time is **7:04**
